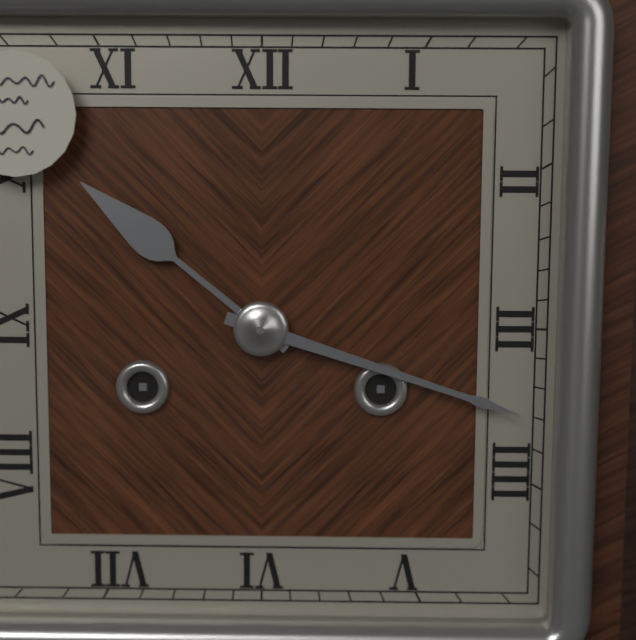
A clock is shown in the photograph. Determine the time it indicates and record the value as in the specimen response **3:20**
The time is **10:18**
